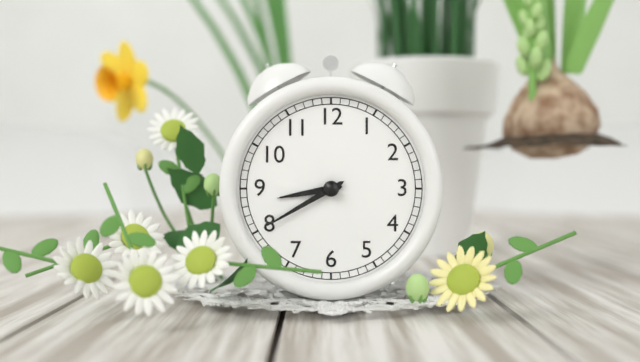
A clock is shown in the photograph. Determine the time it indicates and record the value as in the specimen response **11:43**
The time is **8:40**
